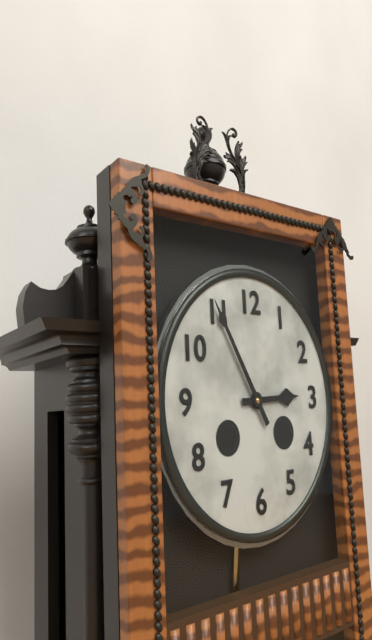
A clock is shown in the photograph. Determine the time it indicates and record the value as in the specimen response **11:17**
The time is **2:55**
